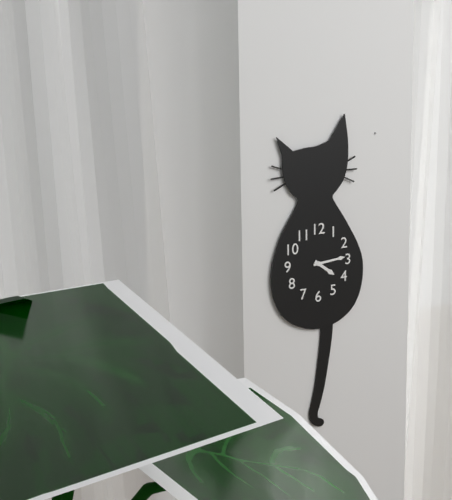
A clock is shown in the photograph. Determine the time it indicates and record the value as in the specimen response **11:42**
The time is **4:14**
